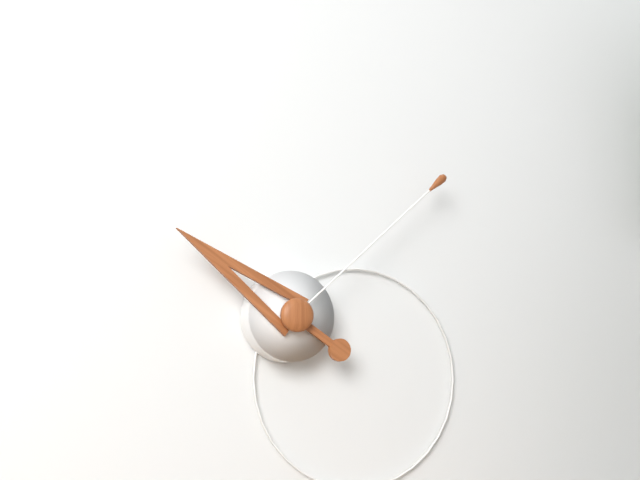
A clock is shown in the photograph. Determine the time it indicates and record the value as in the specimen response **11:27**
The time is **10:08**
